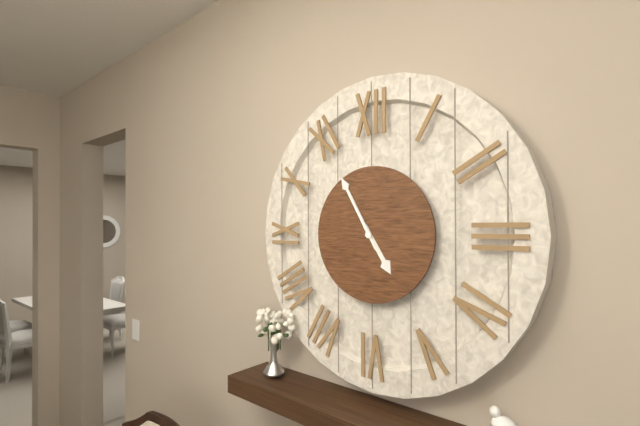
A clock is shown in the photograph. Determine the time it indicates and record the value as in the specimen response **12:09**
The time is **4:55**
